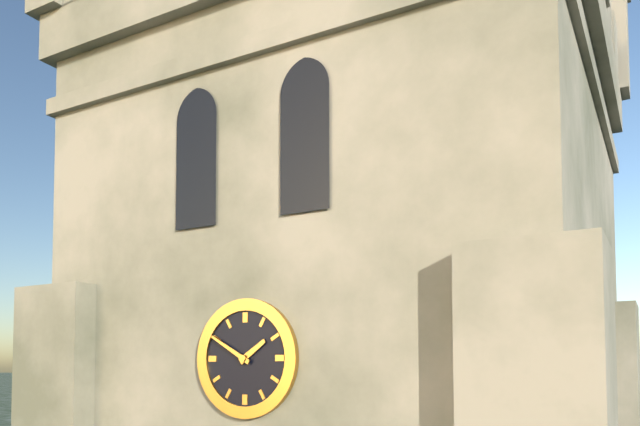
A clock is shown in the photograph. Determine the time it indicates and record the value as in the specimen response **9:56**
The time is **1:50**
